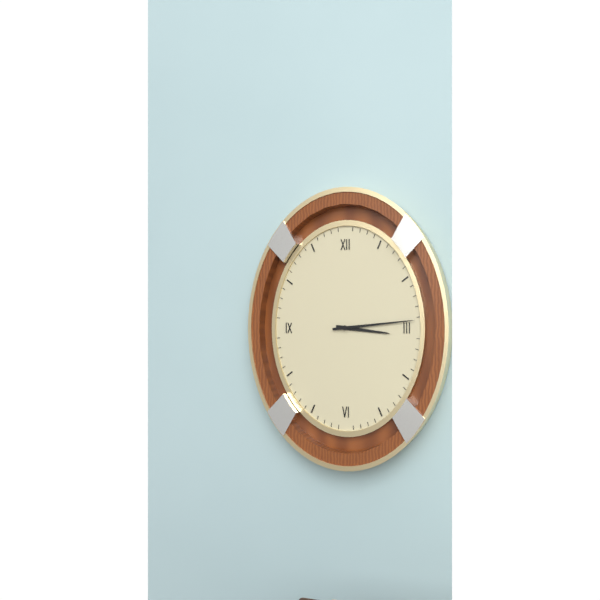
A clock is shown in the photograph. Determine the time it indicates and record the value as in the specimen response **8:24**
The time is **3:14**
